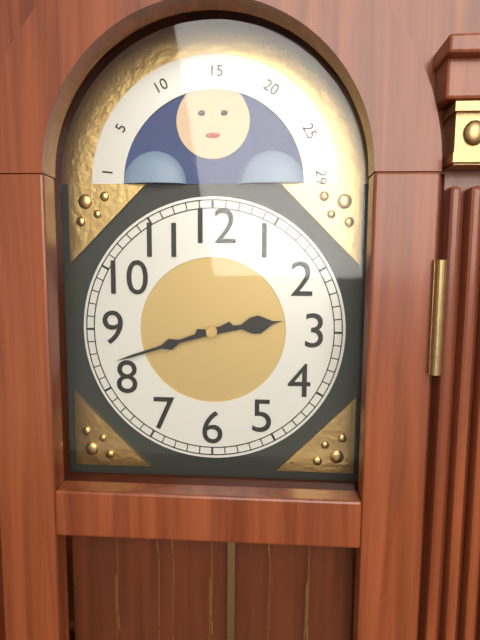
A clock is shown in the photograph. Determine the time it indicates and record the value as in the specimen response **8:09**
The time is **2:42**
